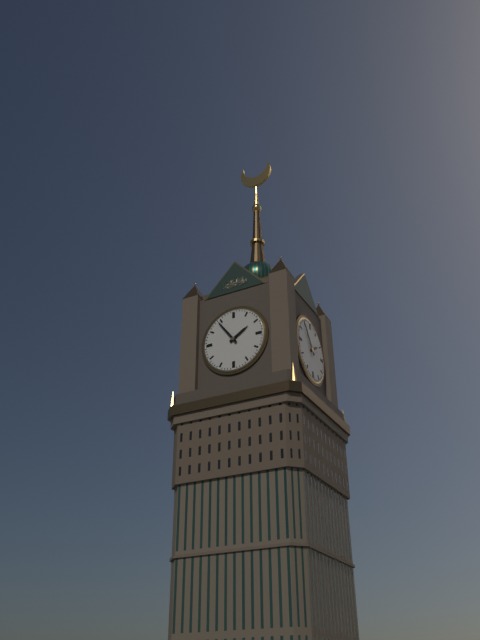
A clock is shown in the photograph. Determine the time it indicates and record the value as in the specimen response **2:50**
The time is **1:54**
